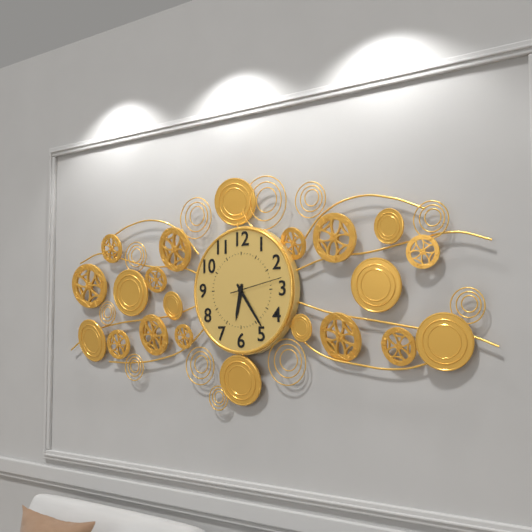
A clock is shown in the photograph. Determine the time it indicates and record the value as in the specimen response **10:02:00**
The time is **6:24:13**
